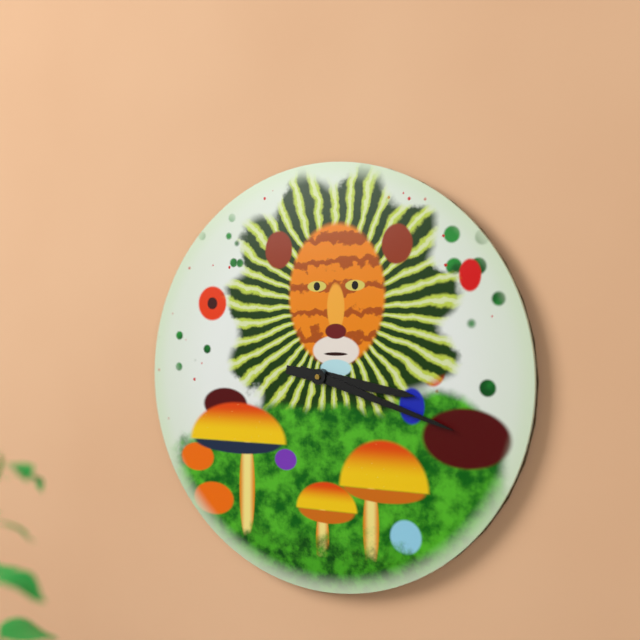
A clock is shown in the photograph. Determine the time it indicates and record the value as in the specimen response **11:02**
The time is **3:18**
